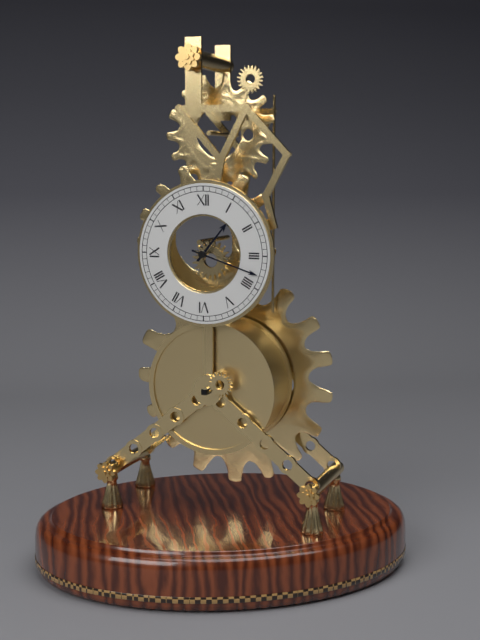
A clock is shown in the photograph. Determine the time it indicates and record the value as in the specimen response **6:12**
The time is **1:18**
